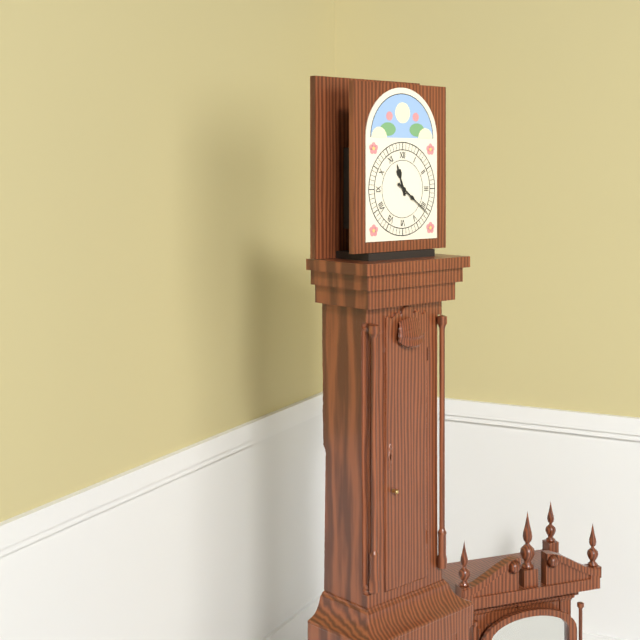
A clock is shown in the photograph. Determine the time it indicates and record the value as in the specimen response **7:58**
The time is **11:21**
